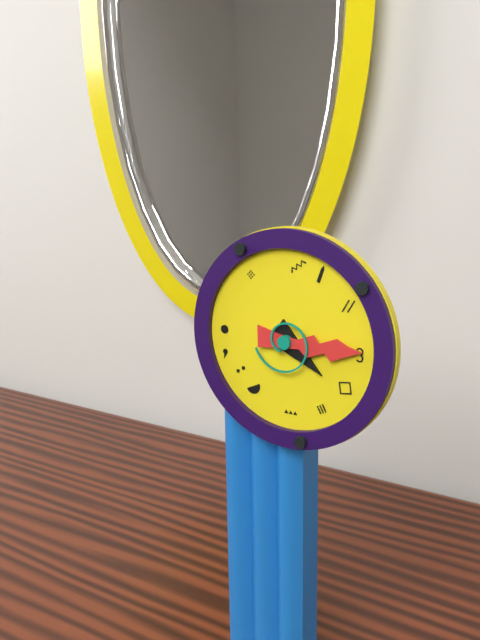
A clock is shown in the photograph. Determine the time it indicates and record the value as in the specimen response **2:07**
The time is **4:15**
